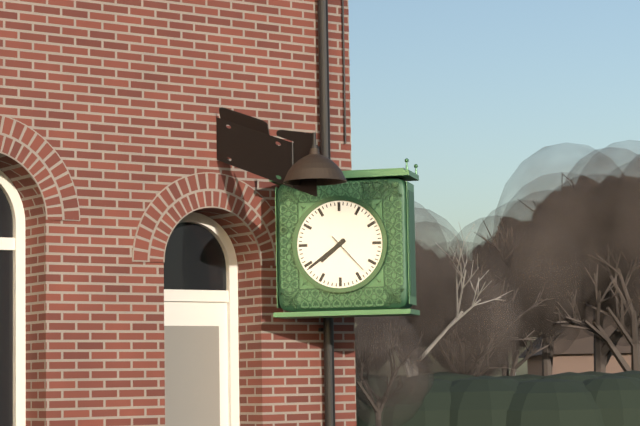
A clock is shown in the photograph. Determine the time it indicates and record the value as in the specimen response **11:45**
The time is **7:39**
